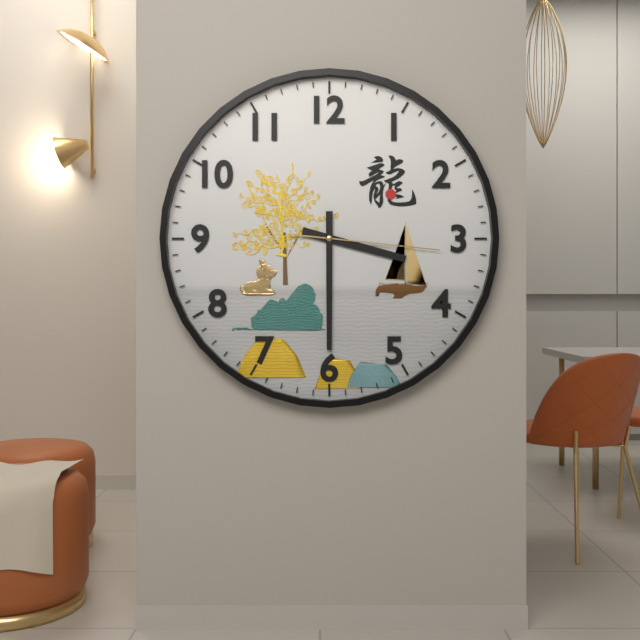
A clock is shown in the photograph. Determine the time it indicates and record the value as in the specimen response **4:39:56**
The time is **3:30:16**
